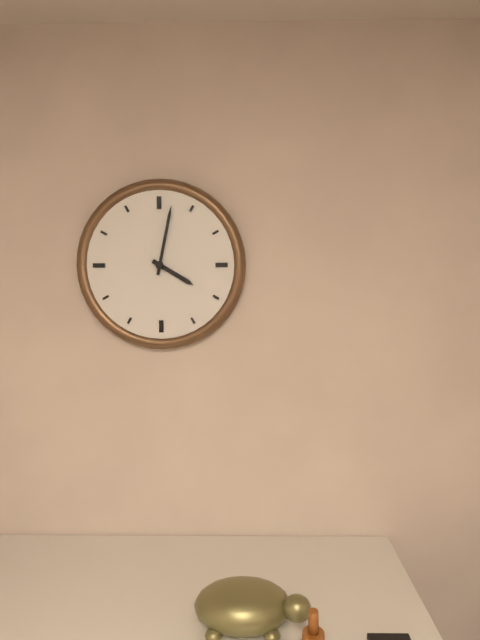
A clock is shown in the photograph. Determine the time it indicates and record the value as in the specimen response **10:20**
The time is **4:02**
